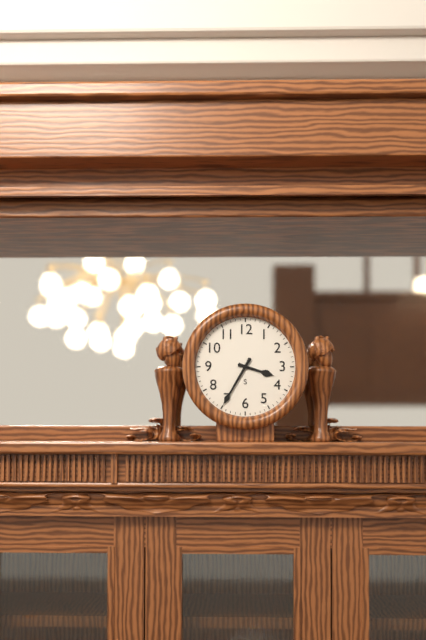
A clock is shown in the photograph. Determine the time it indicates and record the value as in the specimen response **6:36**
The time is **3:35**
